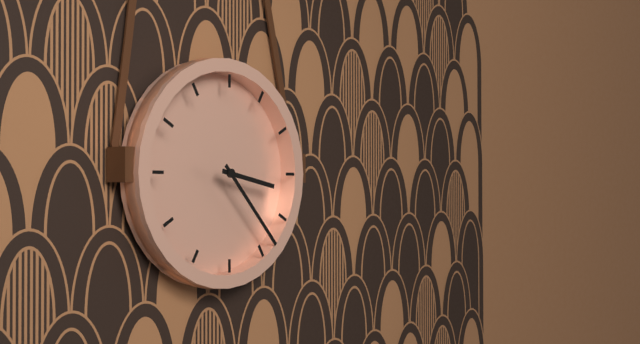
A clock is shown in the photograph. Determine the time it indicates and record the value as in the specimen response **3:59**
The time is **3:23**
